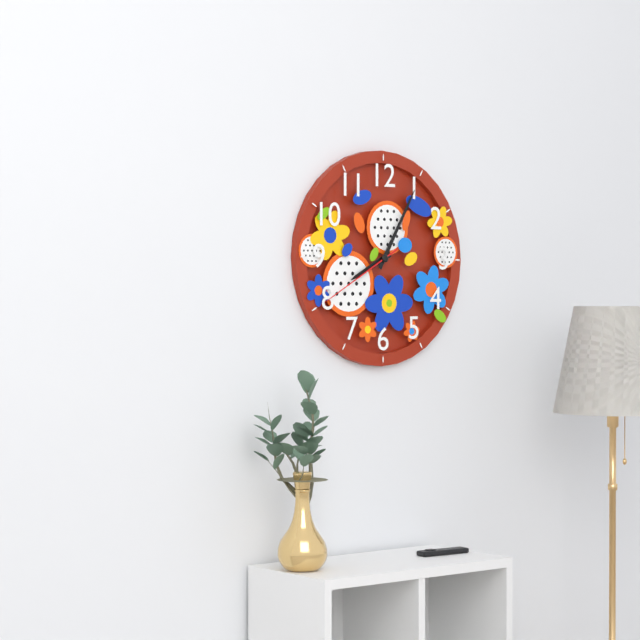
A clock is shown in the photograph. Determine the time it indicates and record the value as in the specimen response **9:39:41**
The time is **8:05:40**
